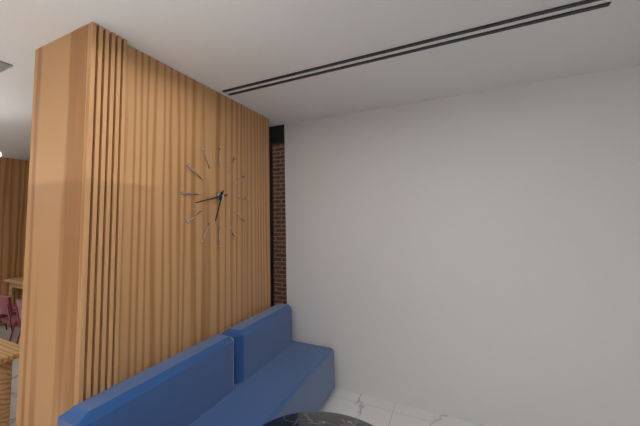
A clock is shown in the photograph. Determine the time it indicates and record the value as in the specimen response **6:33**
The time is **6:43**
